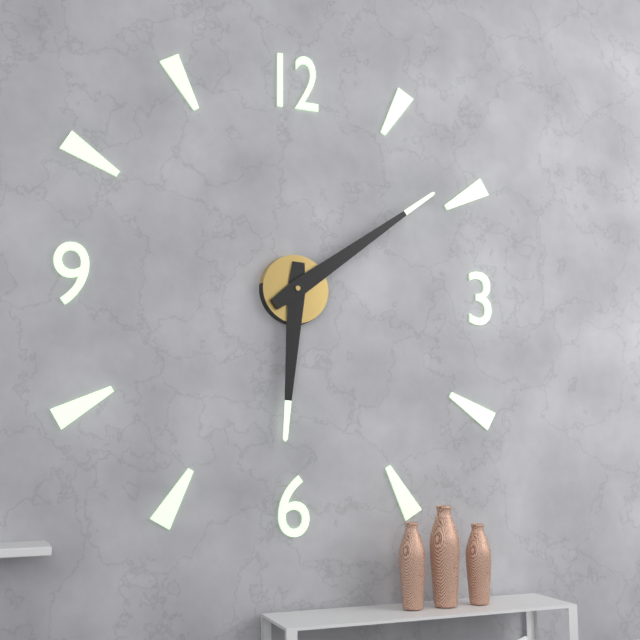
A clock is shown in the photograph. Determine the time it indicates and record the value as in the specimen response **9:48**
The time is **6:09**
